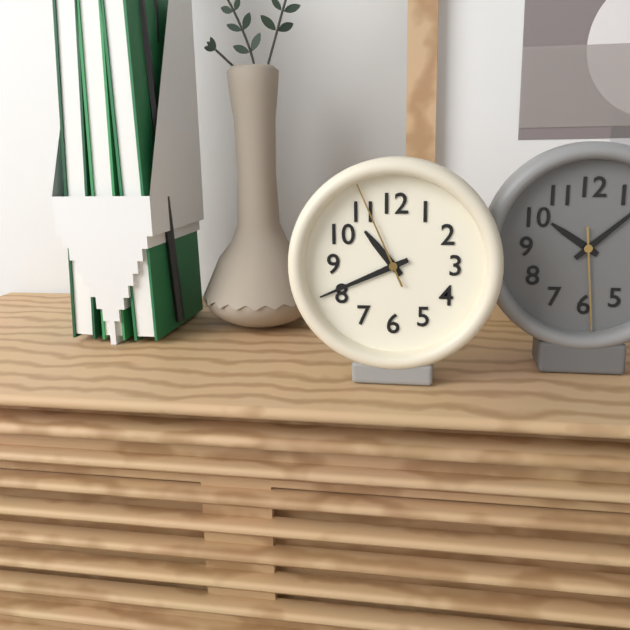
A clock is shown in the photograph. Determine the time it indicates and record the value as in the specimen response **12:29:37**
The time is **10:41:56**
